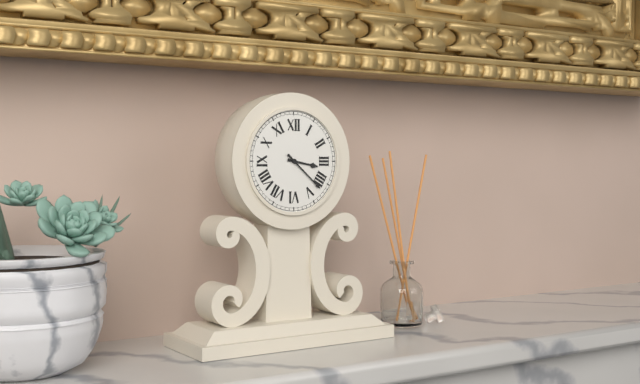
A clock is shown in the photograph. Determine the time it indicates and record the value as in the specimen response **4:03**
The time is **3:22**
